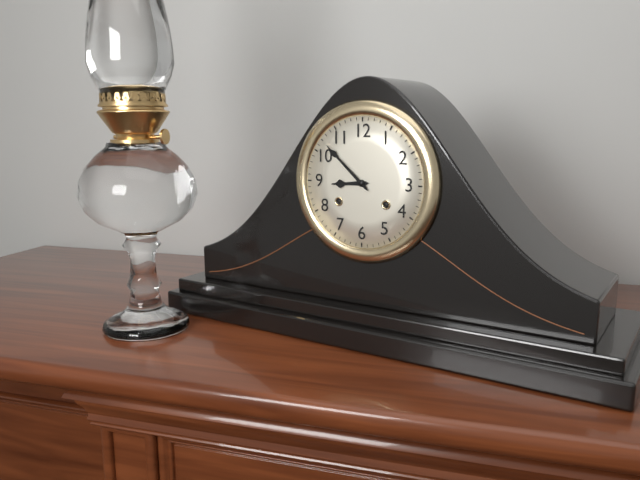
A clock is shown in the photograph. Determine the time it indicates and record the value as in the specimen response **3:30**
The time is **8:52**
